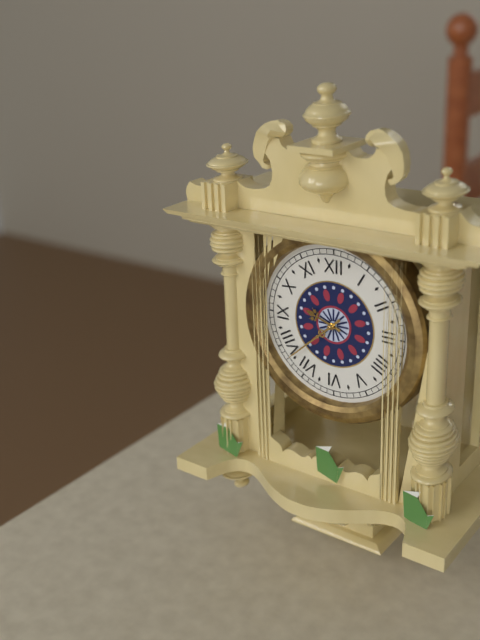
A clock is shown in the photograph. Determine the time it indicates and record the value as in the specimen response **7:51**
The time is **9:38**
